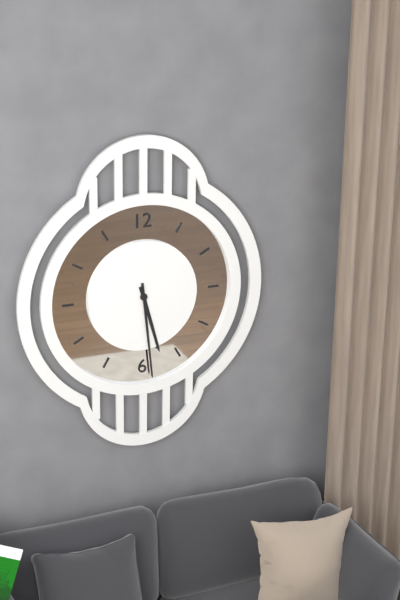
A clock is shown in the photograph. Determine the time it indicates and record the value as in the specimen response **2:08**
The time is **5:29**
